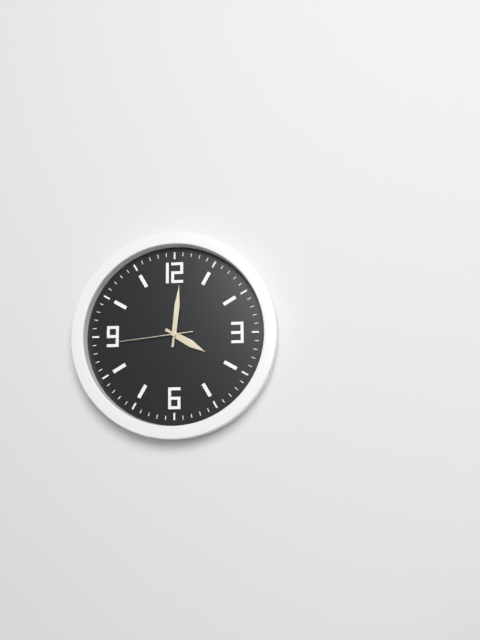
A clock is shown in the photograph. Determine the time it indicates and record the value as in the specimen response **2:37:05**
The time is **4:01:44**
